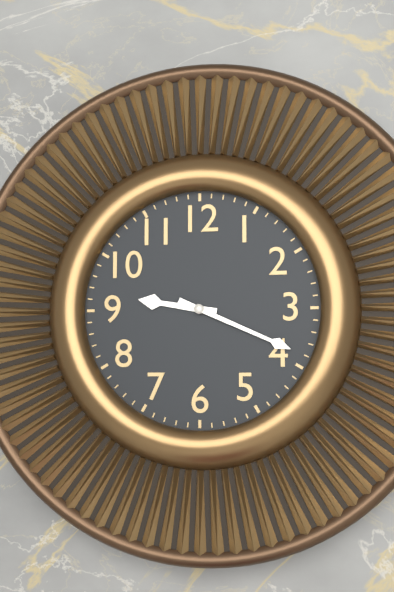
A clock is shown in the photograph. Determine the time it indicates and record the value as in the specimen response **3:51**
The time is **9:19**
